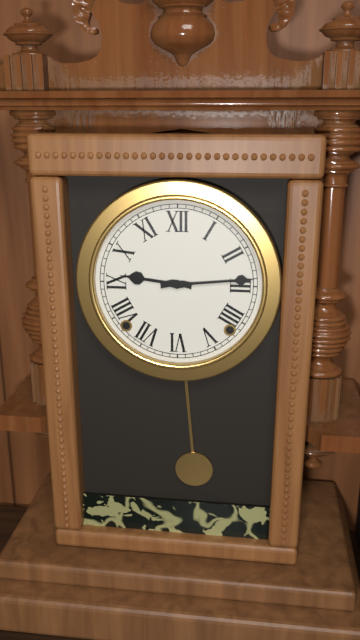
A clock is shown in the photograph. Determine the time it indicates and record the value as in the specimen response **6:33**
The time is **9:14**
